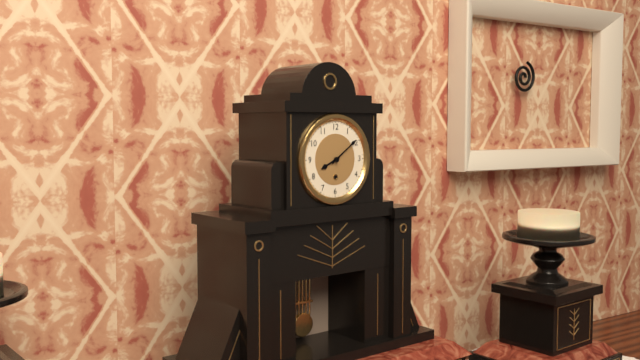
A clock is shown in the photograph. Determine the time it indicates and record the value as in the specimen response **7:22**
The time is **8:09**
